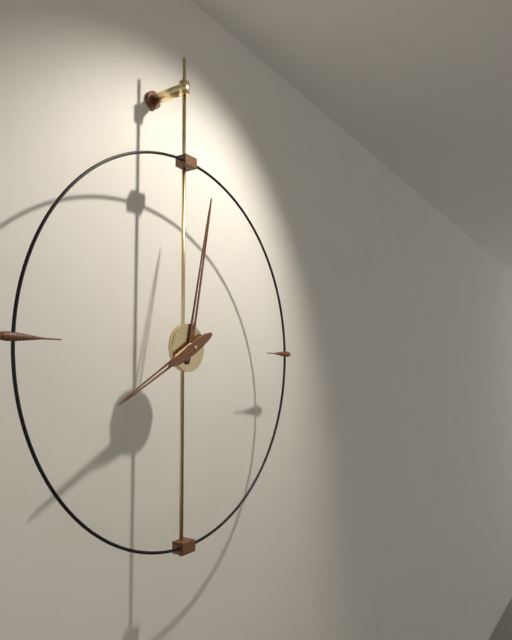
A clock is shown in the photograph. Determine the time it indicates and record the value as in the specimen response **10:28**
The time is **8:02**
